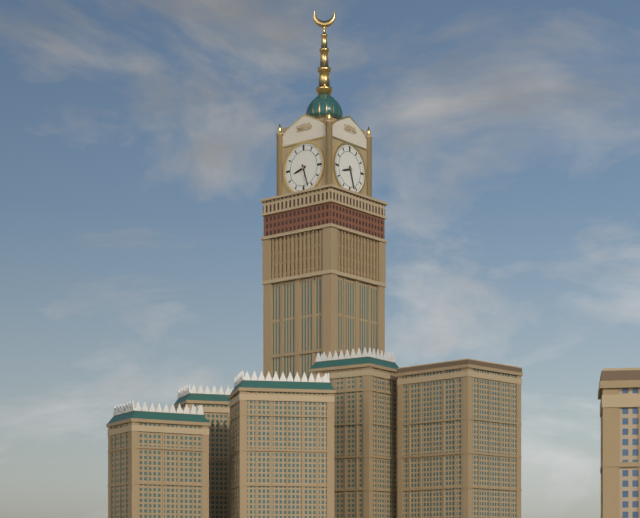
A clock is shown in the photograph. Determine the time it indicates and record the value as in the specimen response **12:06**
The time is **8:27**
